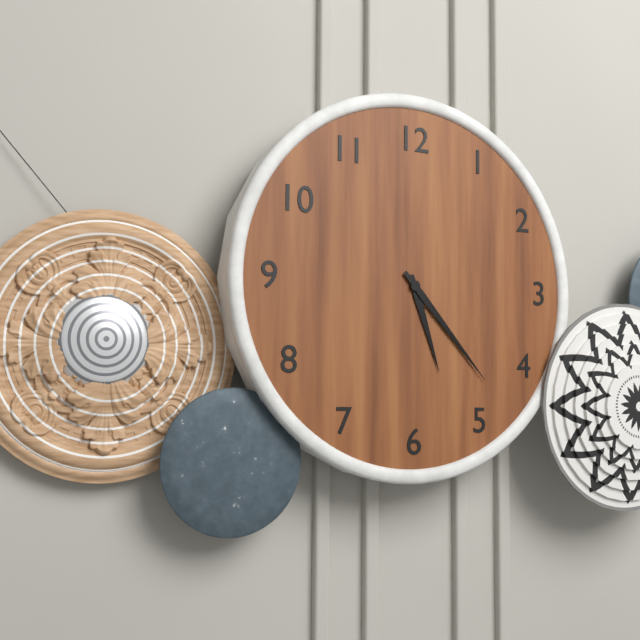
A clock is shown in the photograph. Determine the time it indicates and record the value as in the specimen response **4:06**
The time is **5:23**
